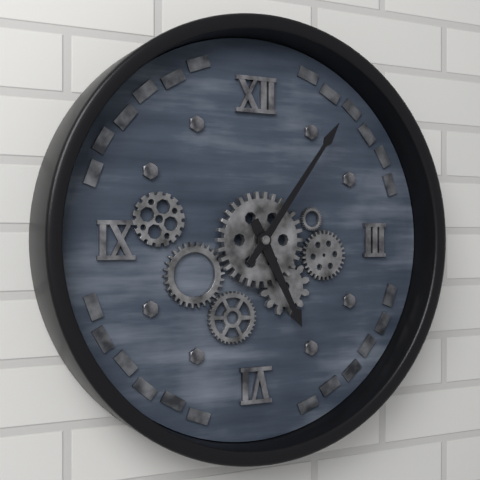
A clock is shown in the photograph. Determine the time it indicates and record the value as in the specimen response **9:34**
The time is **5:06**
